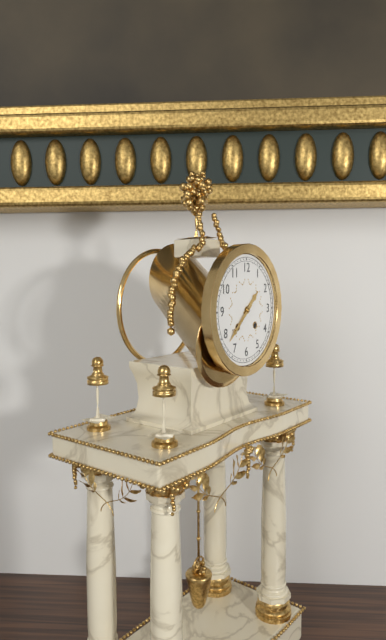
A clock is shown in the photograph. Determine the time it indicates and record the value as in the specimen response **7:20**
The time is **1:38**
